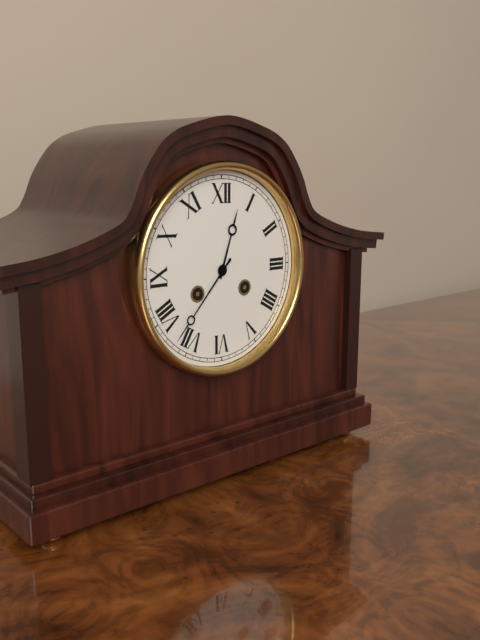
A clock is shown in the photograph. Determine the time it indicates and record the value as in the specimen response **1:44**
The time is **12:37**
